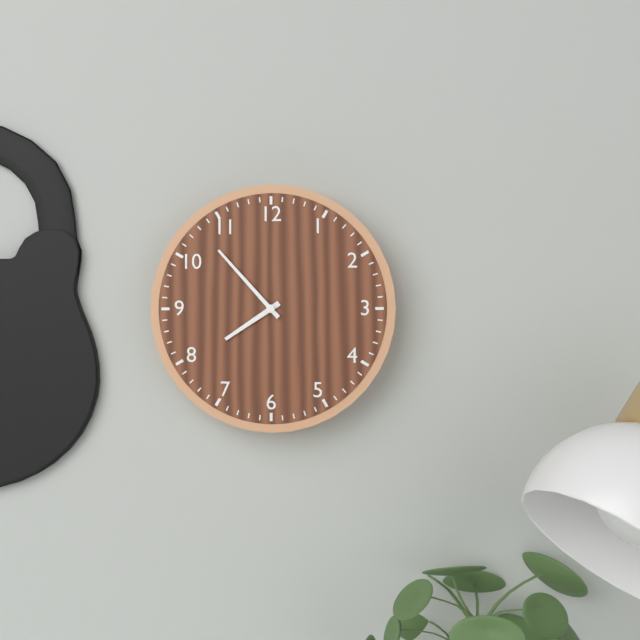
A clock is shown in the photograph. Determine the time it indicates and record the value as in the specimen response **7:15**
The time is **7:53**
